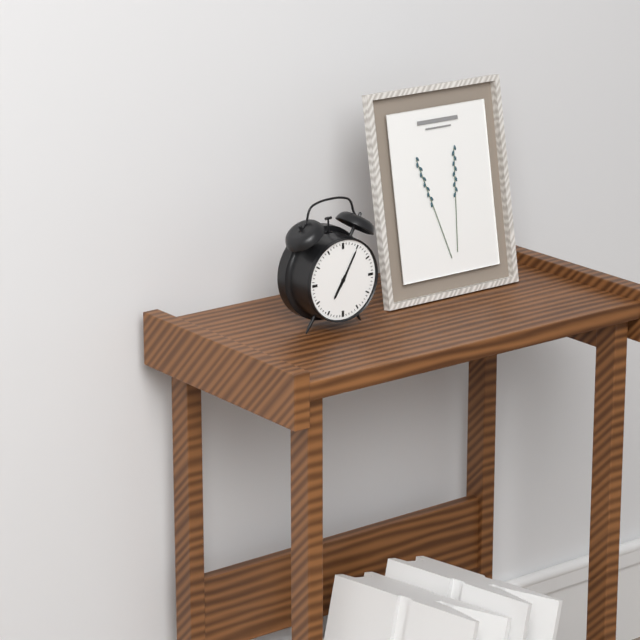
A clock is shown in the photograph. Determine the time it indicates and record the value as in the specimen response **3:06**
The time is **7:05**
